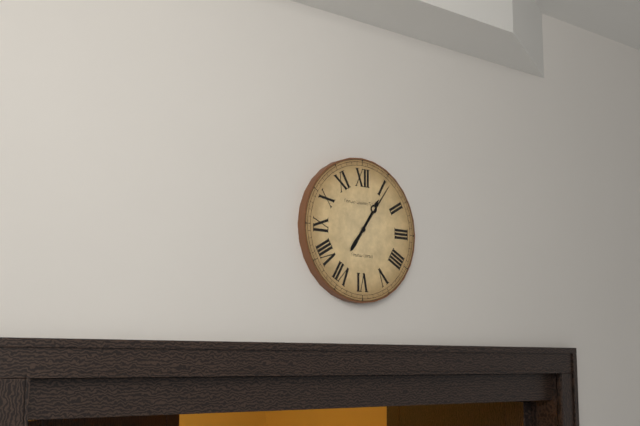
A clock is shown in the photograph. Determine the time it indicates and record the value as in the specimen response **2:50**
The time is **1:06**
